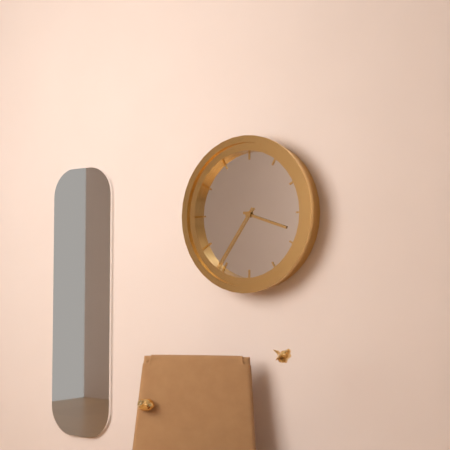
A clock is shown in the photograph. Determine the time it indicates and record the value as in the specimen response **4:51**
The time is **3:36**
